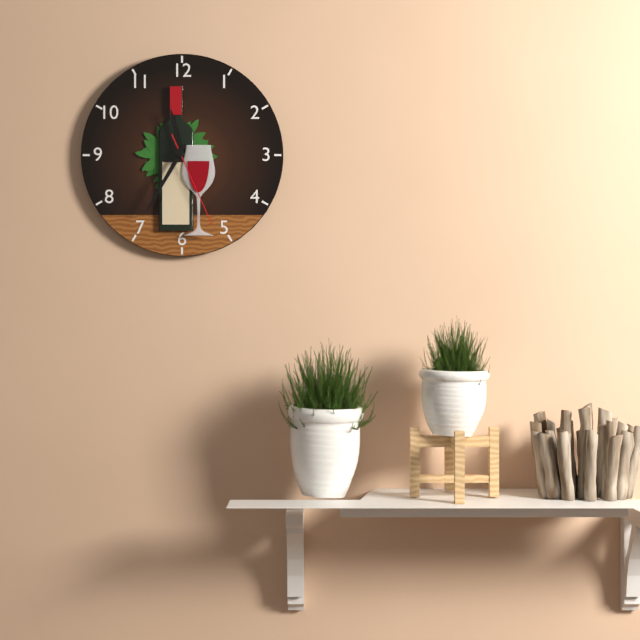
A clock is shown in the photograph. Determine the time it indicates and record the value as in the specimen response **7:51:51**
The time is **11:35:26**
